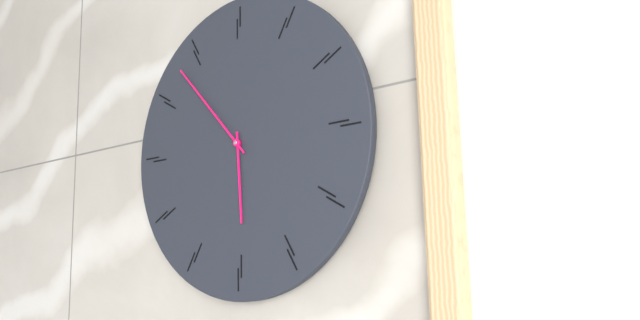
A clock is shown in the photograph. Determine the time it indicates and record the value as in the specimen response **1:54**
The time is **5:53**
